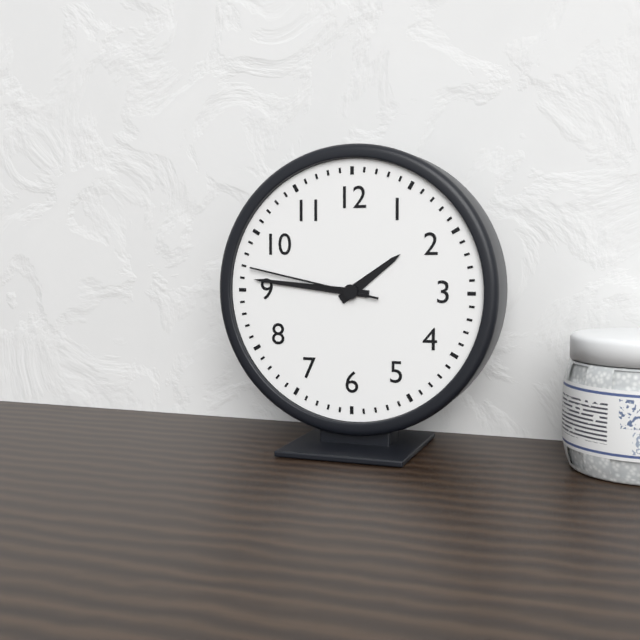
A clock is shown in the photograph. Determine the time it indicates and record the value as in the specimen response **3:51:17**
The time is **1:46:47**
